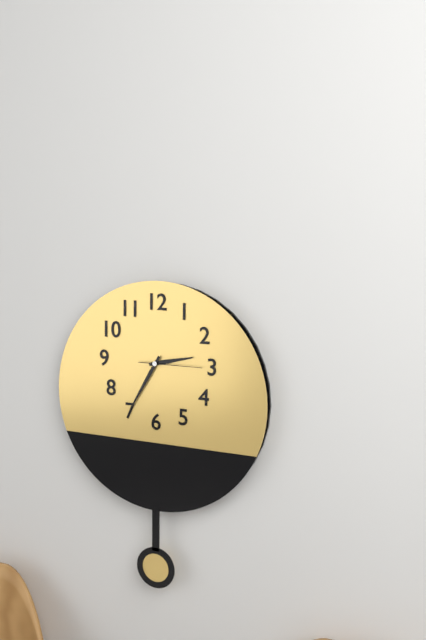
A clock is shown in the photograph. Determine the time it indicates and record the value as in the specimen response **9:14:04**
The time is **2:35:15**
